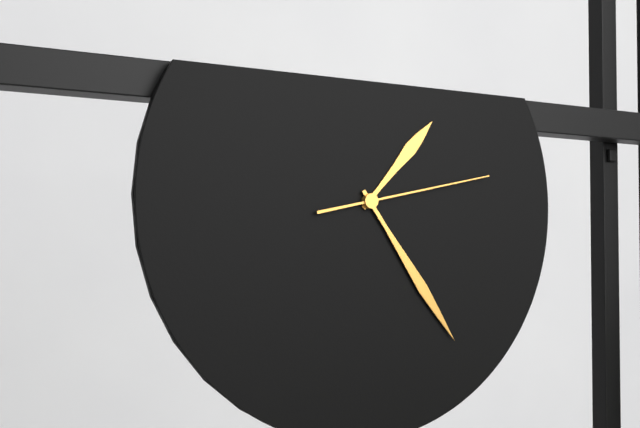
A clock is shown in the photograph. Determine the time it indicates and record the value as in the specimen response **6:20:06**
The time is **1:24:13**
